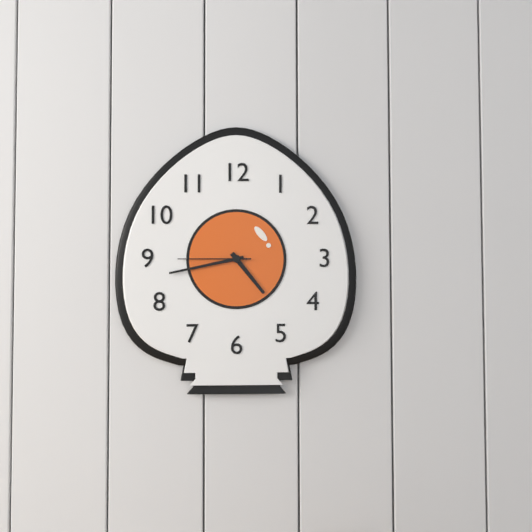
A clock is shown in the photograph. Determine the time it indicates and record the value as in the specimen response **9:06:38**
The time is **4:43:45**
